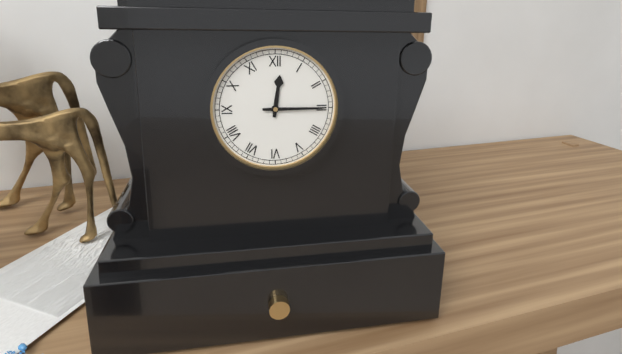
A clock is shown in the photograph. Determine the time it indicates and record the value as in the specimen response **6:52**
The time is **12:15**
